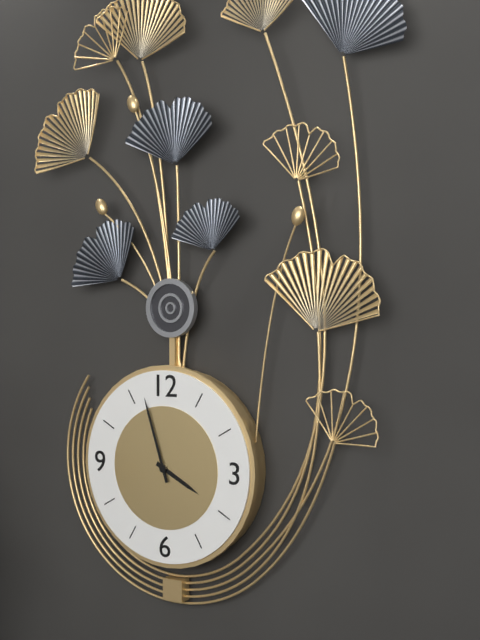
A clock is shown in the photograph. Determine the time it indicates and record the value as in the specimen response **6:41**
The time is **3:57**
